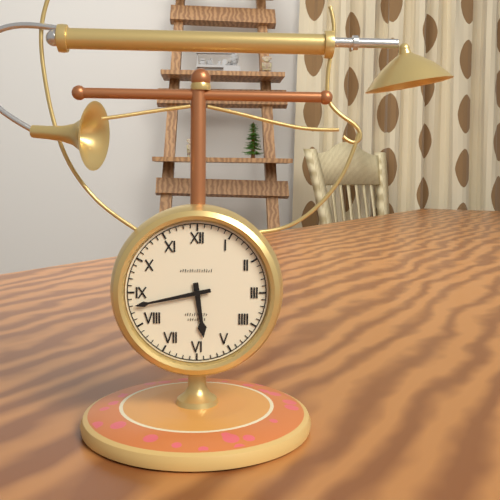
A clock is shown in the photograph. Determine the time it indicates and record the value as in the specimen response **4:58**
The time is **5:43**
